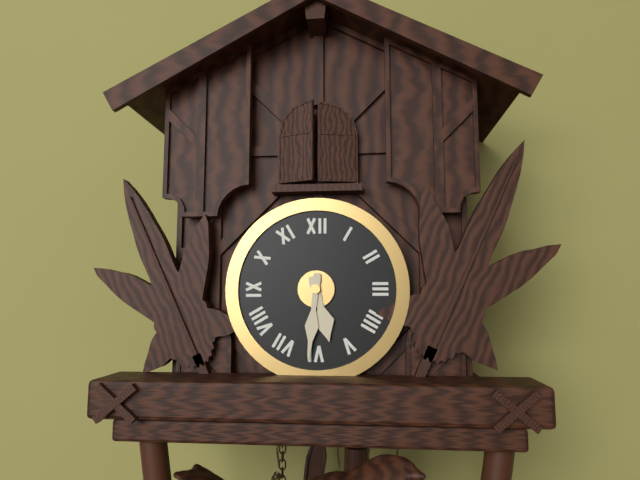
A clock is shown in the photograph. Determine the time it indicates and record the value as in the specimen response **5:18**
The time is **5:31**
